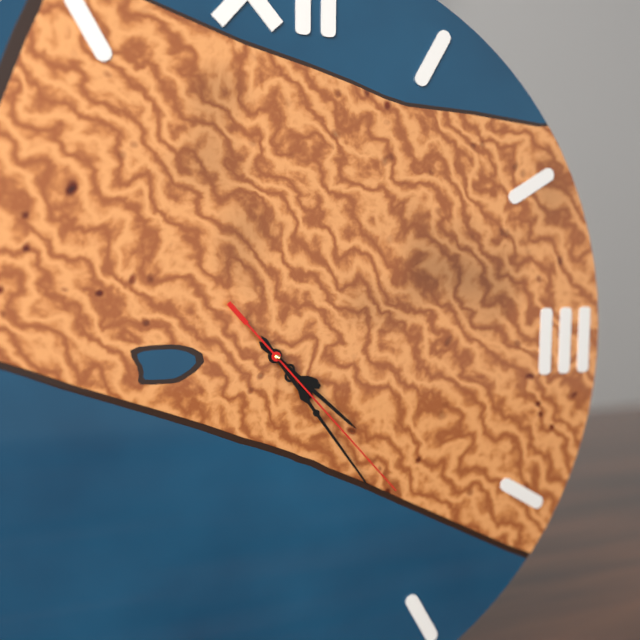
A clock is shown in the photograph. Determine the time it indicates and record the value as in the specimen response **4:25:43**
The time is **4:24:23**
